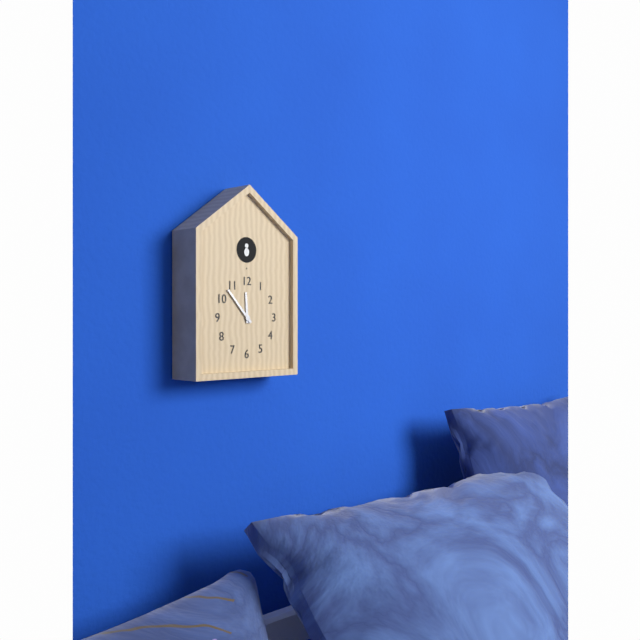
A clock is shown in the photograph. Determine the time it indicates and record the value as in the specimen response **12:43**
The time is **11:53**
